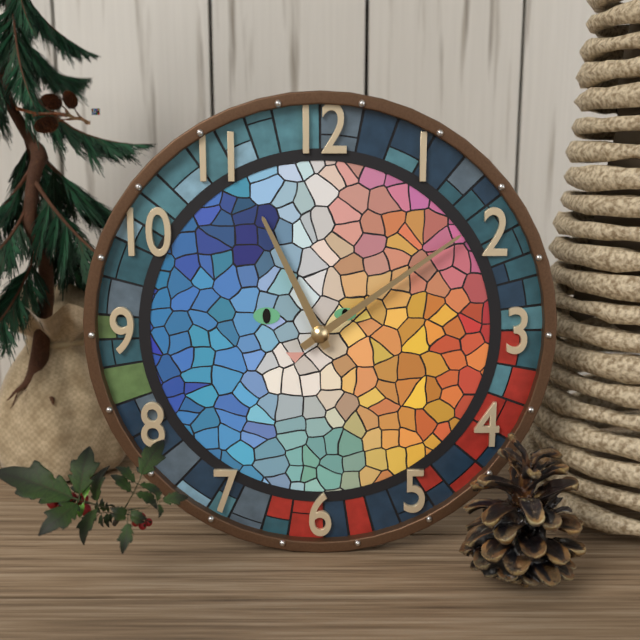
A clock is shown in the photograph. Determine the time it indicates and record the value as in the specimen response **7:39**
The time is **11:09**
